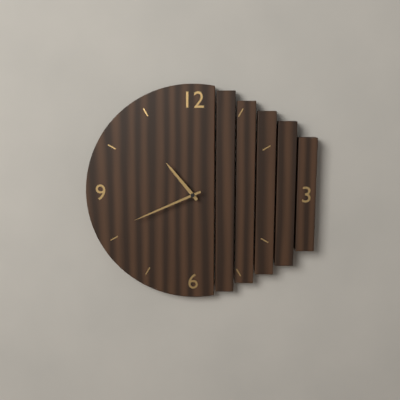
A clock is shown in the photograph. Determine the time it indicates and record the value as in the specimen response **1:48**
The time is **10:41**
